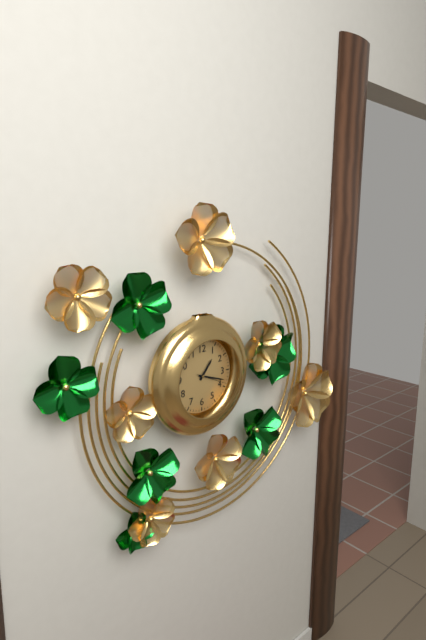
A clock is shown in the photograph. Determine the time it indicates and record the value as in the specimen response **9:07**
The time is **1:18**
